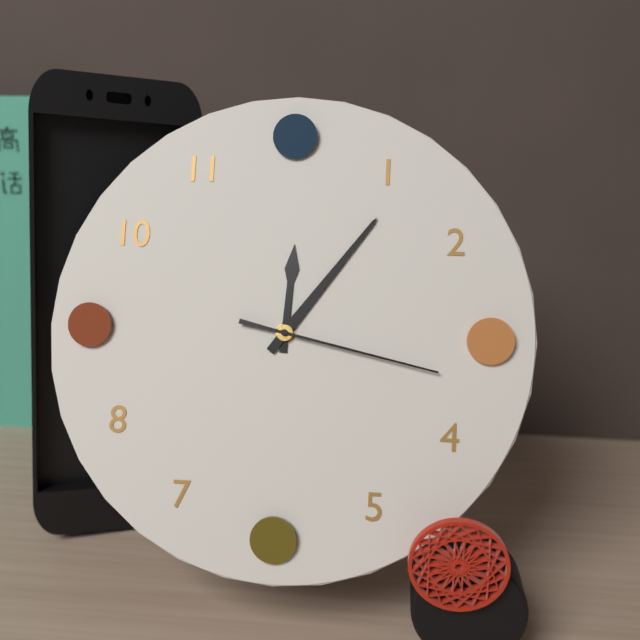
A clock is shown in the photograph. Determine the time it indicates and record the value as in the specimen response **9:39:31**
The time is **12:06:17**
